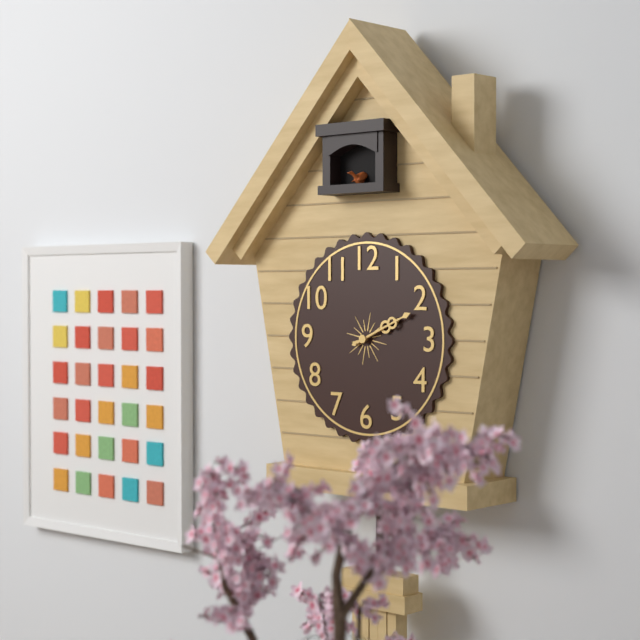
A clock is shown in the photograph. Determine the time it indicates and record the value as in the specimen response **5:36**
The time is **2:11**
